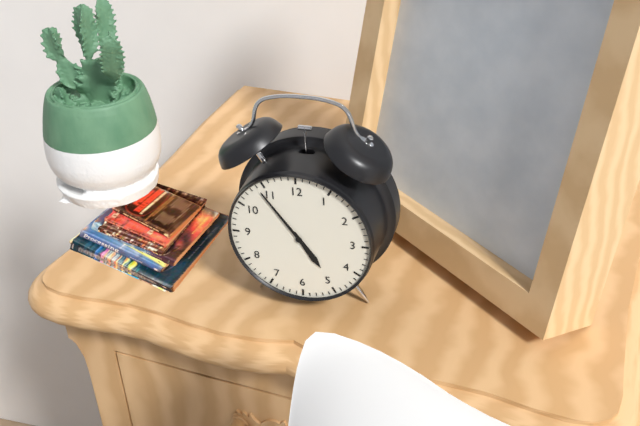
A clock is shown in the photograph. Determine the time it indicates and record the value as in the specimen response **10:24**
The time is **4:54**
